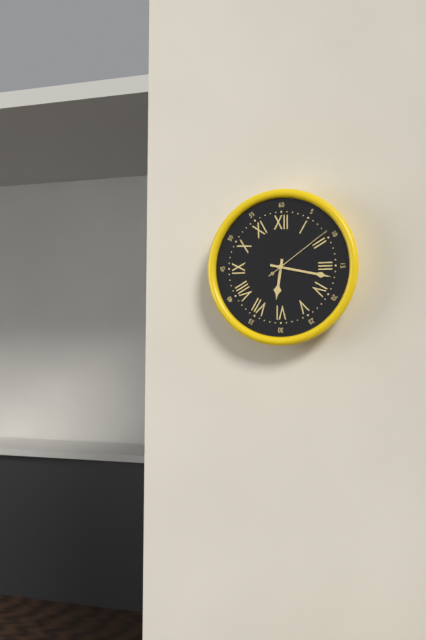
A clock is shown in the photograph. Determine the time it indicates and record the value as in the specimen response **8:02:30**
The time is **6:17:09**
